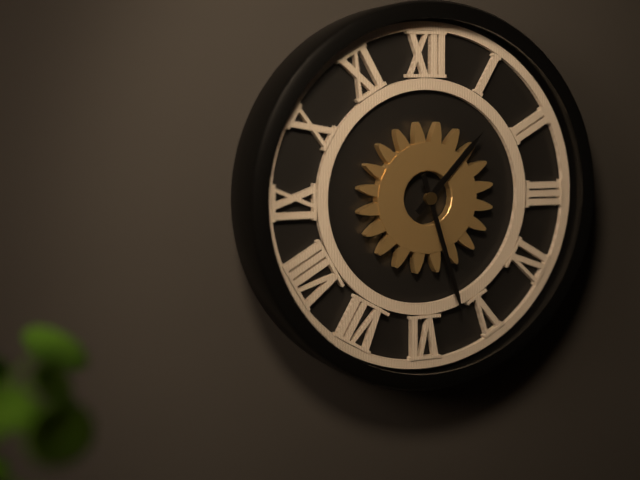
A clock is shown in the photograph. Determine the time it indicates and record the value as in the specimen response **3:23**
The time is **1:27**
